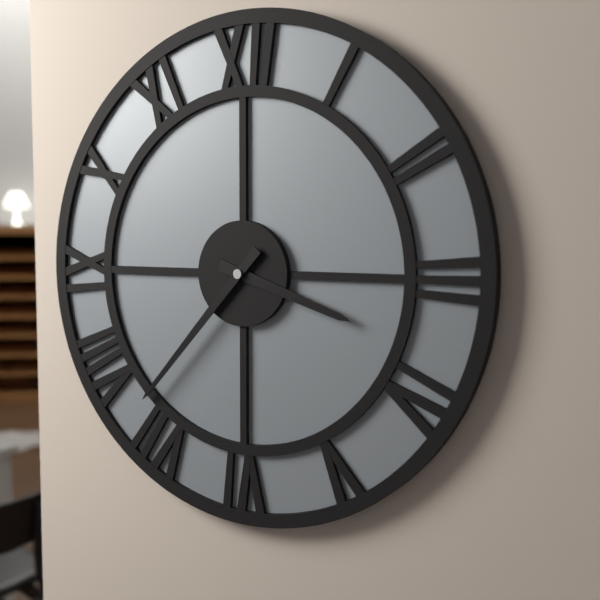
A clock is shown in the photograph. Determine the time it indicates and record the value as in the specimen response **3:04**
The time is **3:37**
